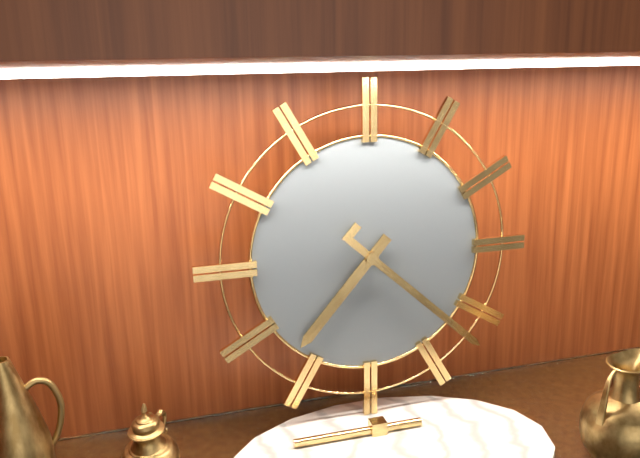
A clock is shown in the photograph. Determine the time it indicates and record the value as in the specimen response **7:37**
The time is **7:22**
